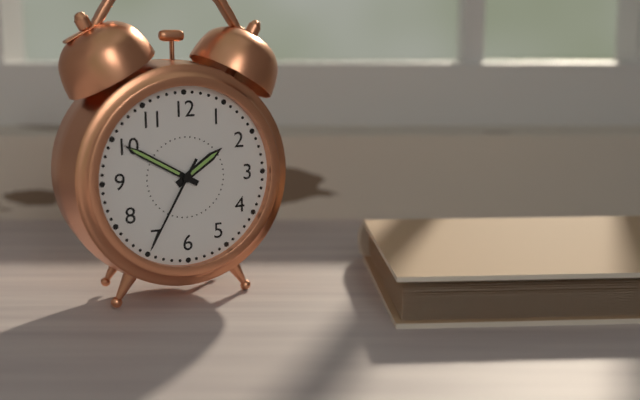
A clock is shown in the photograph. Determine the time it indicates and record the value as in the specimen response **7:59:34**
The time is **1:50:35**
